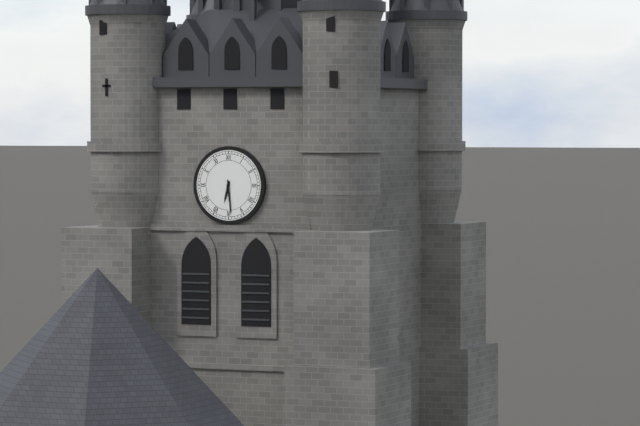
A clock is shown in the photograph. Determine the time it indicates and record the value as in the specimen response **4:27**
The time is **6:29**
